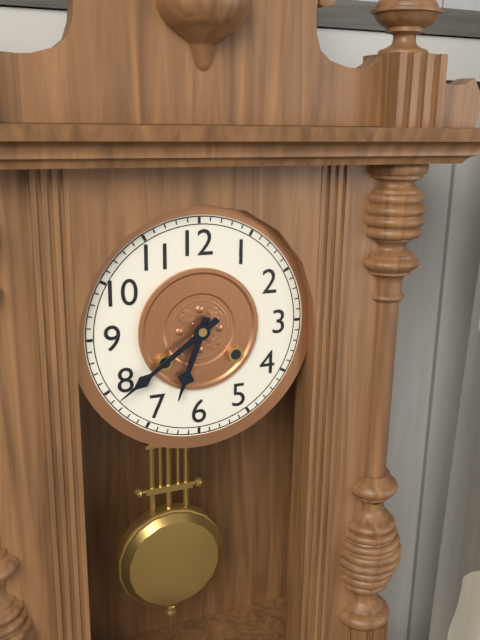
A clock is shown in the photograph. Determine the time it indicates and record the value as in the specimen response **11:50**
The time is **6:39**
